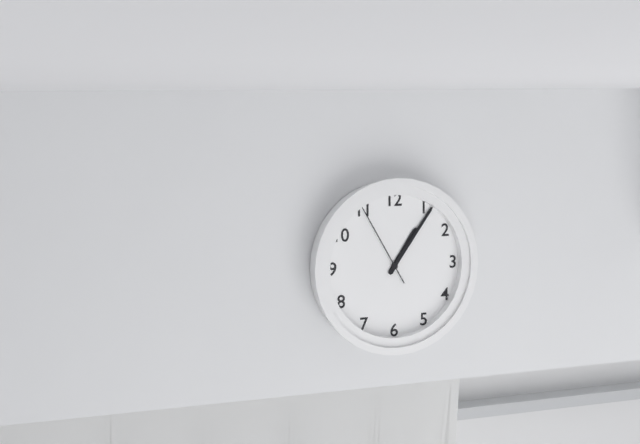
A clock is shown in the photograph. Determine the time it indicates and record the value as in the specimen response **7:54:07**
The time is **1:06:55**
